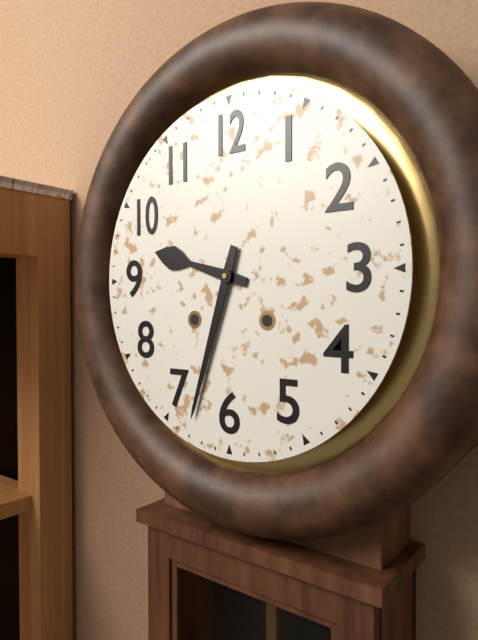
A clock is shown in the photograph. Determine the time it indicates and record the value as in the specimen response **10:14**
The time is **9:33**
